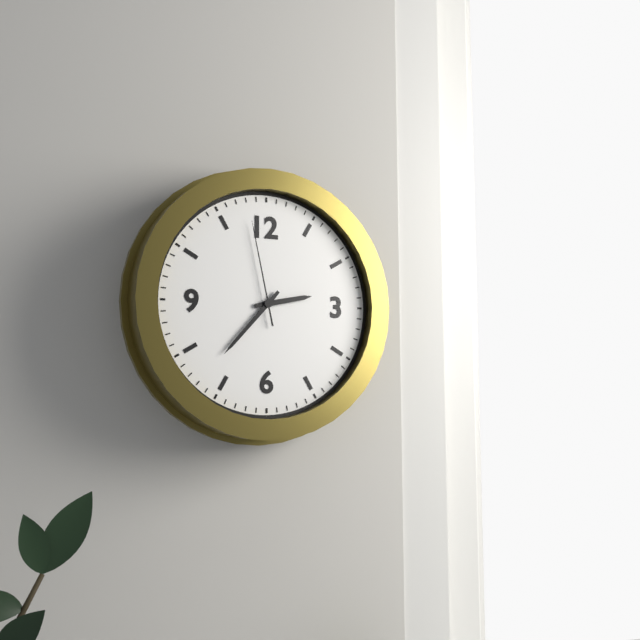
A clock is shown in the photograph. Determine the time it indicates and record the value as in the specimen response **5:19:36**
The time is **2:37:58**
